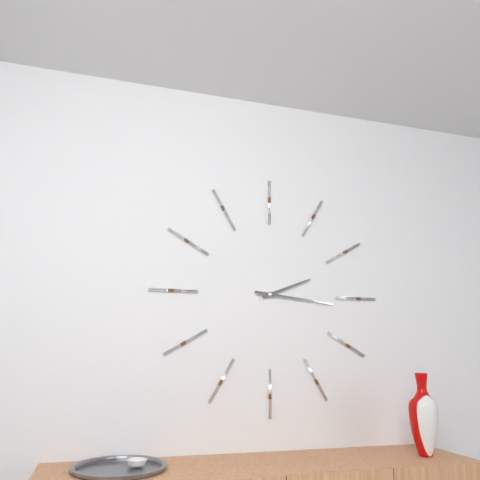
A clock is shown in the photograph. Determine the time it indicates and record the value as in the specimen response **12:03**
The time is **2:16**
